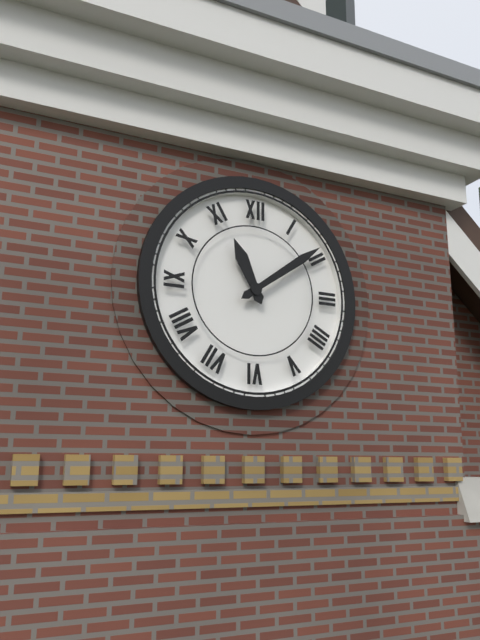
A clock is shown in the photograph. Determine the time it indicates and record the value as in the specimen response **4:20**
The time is **11:09**
